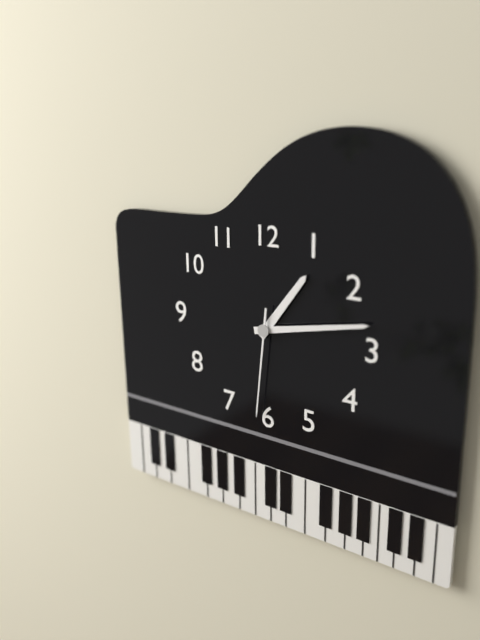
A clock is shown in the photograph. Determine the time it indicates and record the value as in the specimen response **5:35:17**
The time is **1:13:31**
